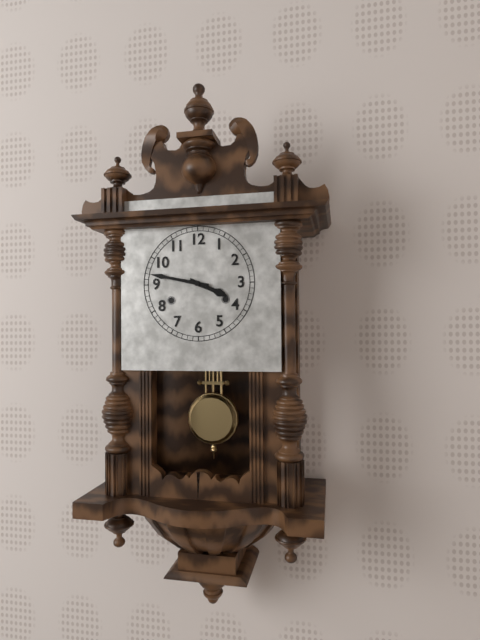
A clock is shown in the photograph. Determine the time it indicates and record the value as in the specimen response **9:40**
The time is **3:47**
